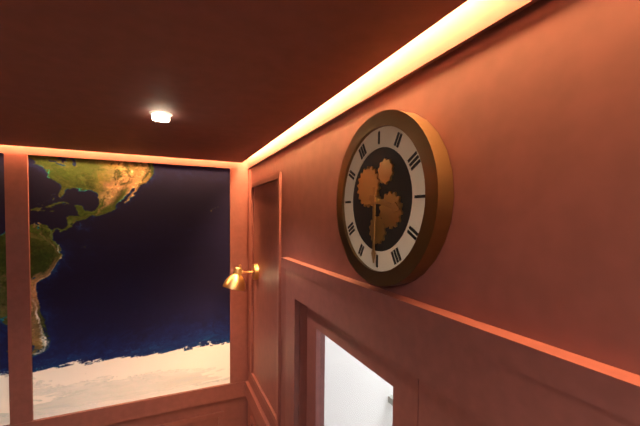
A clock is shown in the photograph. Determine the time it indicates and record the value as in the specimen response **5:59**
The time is **3:30**
